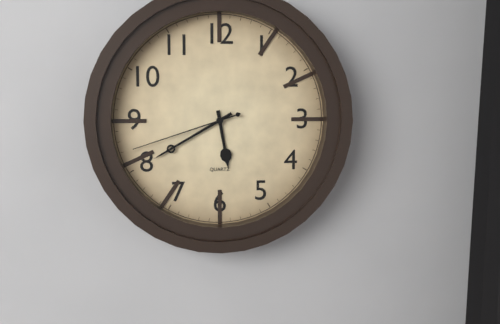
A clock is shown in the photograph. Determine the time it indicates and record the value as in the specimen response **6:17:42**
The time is **5:40:42**
